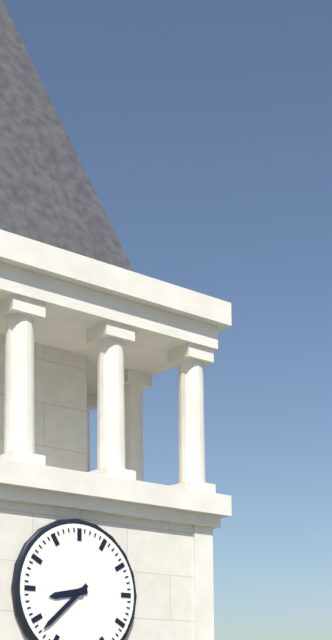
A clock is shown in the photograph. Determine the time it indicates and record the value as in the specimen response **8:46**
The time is **8:38**
